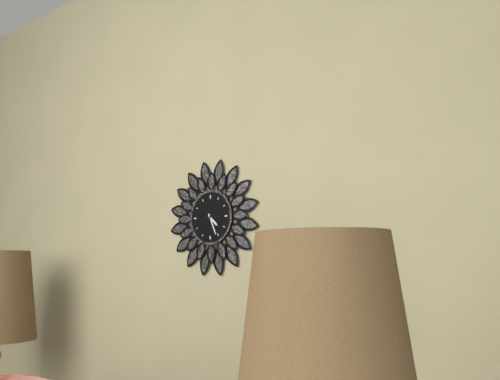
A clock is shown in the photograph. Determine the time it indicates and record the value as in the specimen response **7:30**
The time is **4:26**
